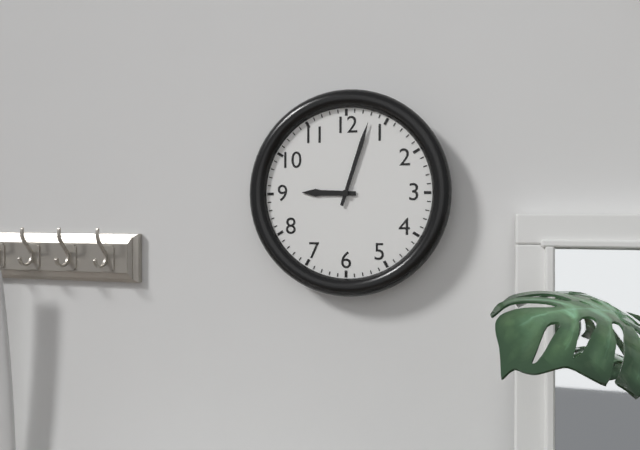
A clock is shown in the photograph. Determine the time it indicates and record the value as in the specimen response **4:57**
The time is **9:03**
